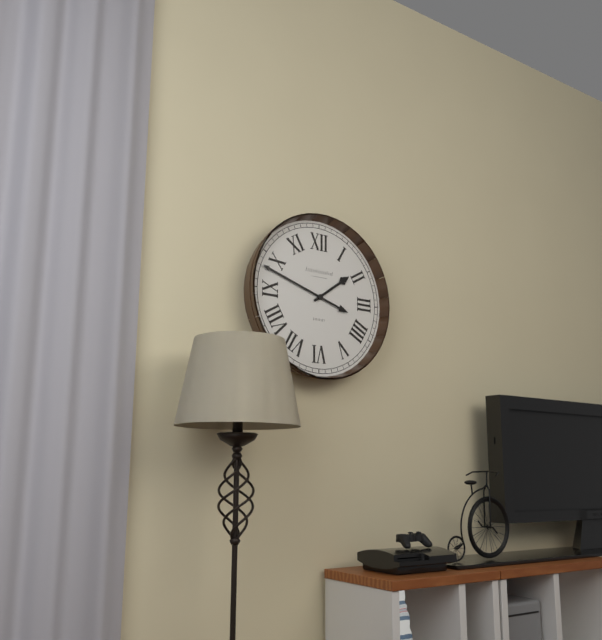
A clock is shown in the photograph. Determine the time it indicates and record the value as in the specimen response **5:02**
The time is **1:48**
